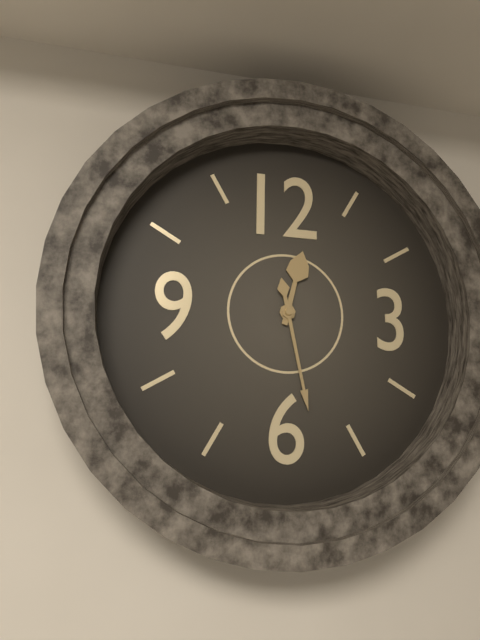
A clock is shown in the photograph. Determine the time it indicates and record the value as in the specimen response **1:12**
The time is **12:28**
